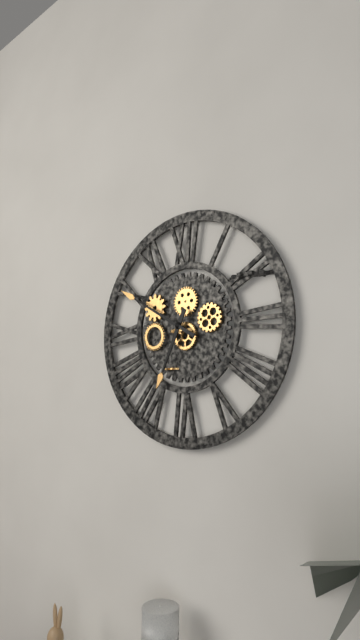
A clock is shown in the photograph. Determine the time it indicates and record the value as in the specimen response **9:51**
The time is **6:50**
